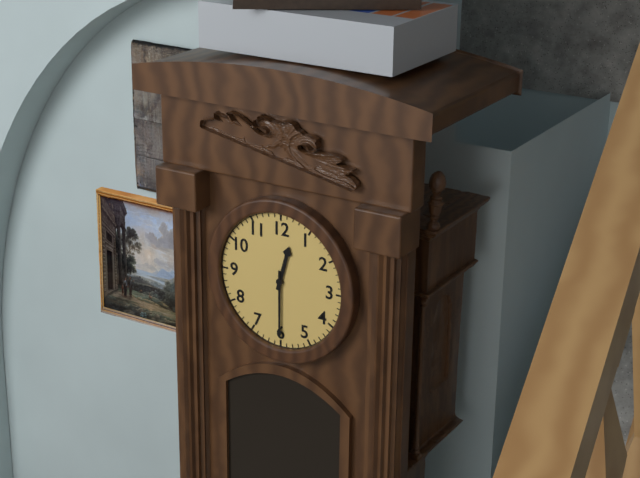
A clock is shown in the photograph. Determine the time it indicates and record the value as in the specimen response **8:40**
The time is **12:30**
